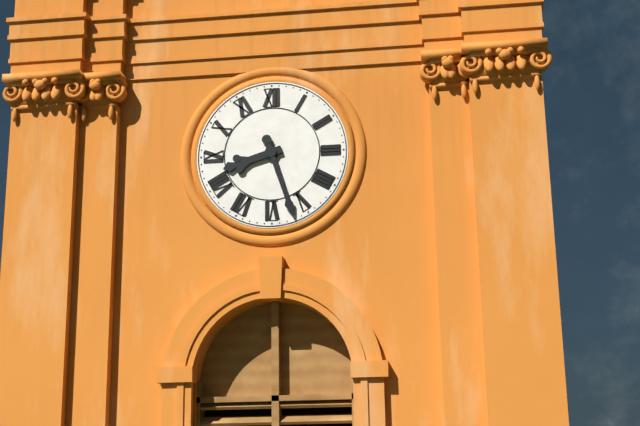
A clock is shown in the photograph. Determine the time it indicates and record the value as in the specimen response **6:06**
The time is **8:27**
